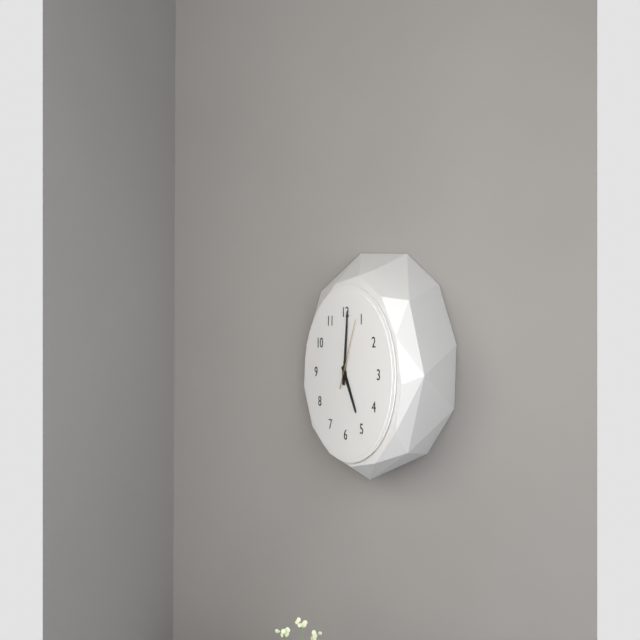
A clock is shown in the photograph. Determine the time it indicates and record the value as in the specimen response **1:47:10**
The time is **5:01:04**
